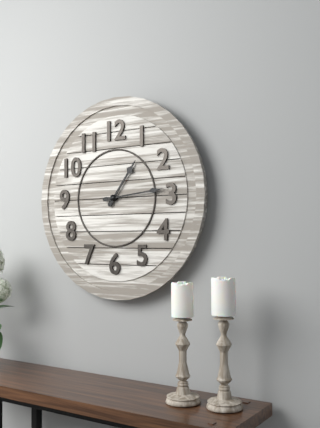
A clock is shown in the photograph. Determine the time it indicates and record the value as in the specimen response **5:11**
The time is **1:14**
